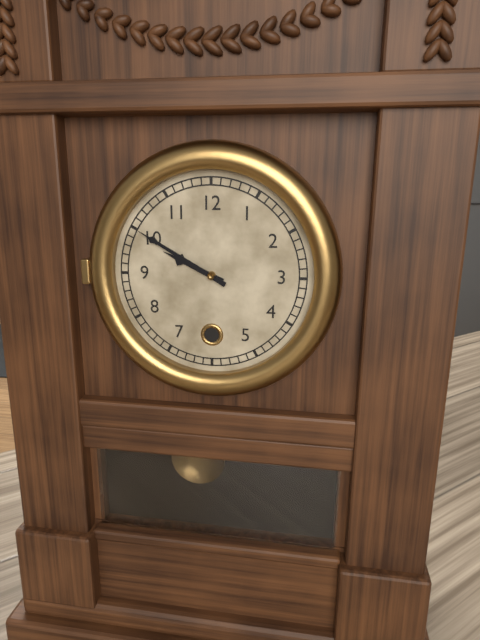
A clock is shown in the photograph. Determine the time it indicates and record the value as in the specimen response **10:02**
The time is **9:50**
